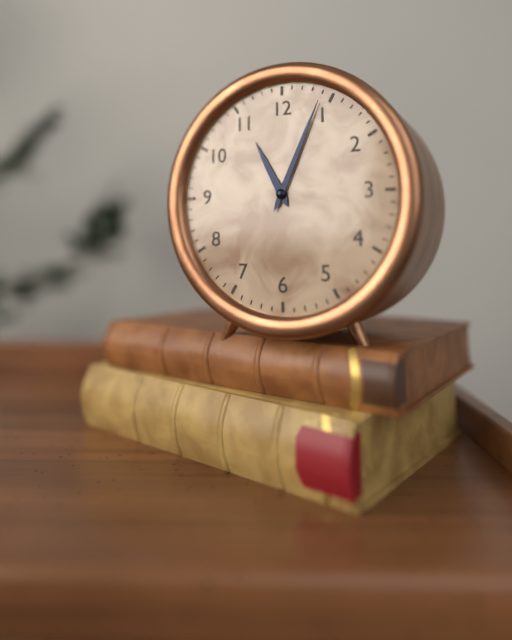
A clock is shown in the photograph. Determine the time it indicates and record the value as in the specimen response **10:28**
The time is **11:04**
